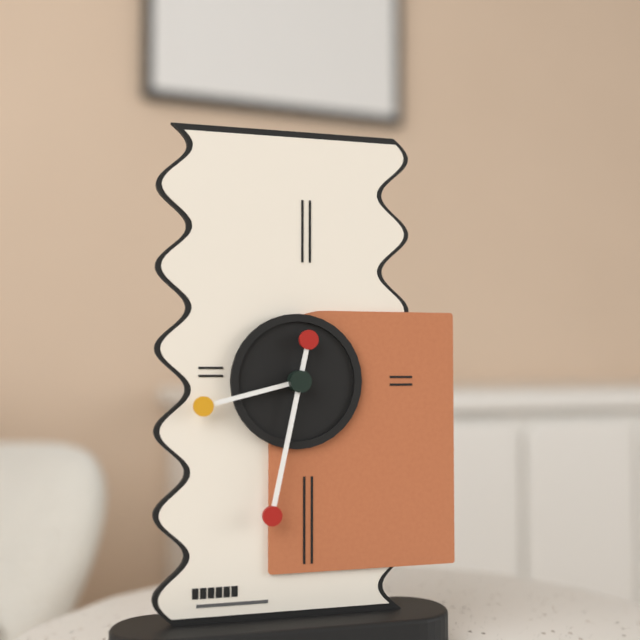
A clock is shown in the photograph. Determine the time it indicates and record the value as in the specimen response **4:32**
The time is **8:32**
